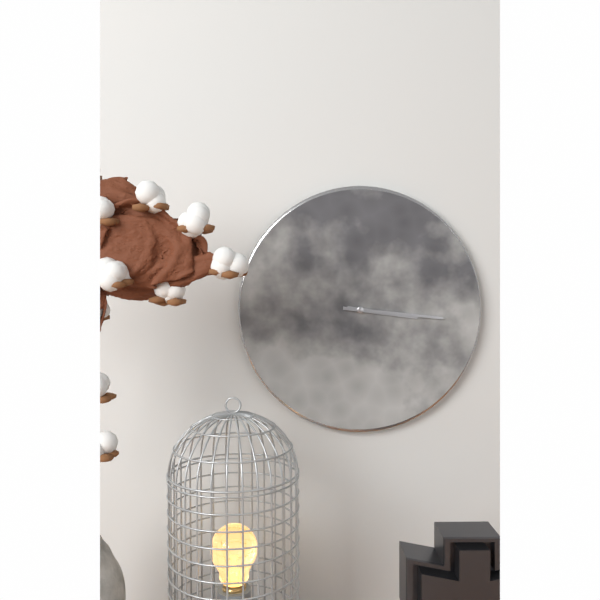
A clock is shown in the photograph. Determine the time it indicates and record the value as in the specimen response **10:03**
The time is **3:16**
